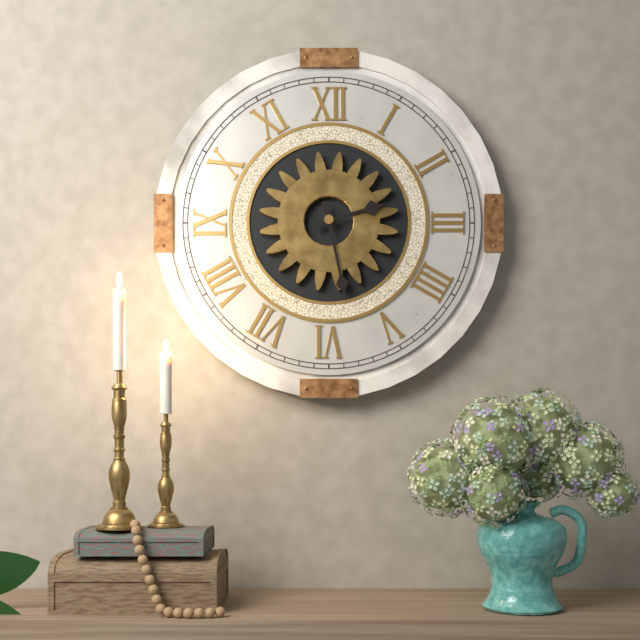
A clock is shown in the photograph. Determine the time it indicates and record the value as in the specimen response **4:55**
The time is **2:28**
